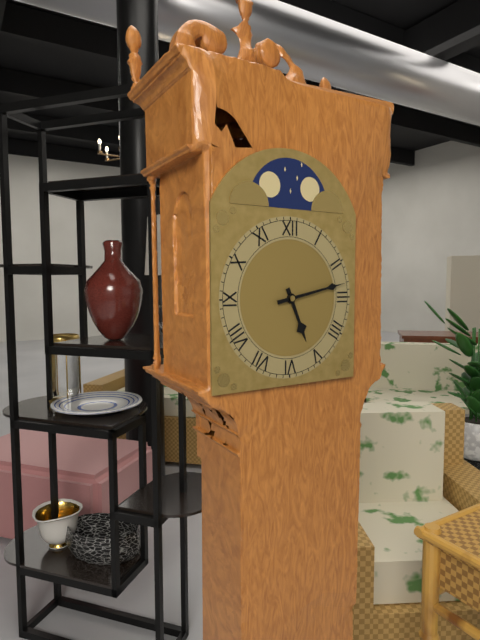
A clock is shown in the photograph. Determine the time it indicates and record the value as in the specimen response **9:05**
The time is **5:13**
